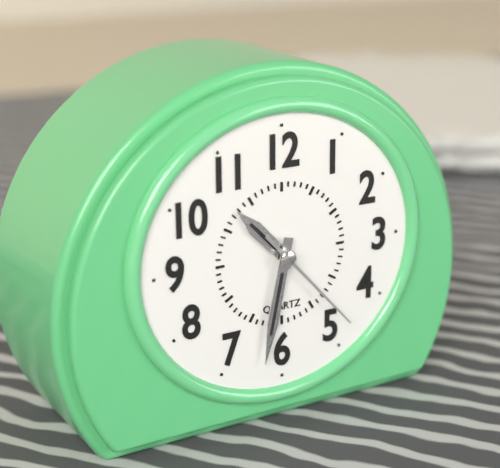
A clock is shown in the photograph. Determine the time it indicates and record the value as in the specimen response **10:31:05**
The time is **10:32:23**
